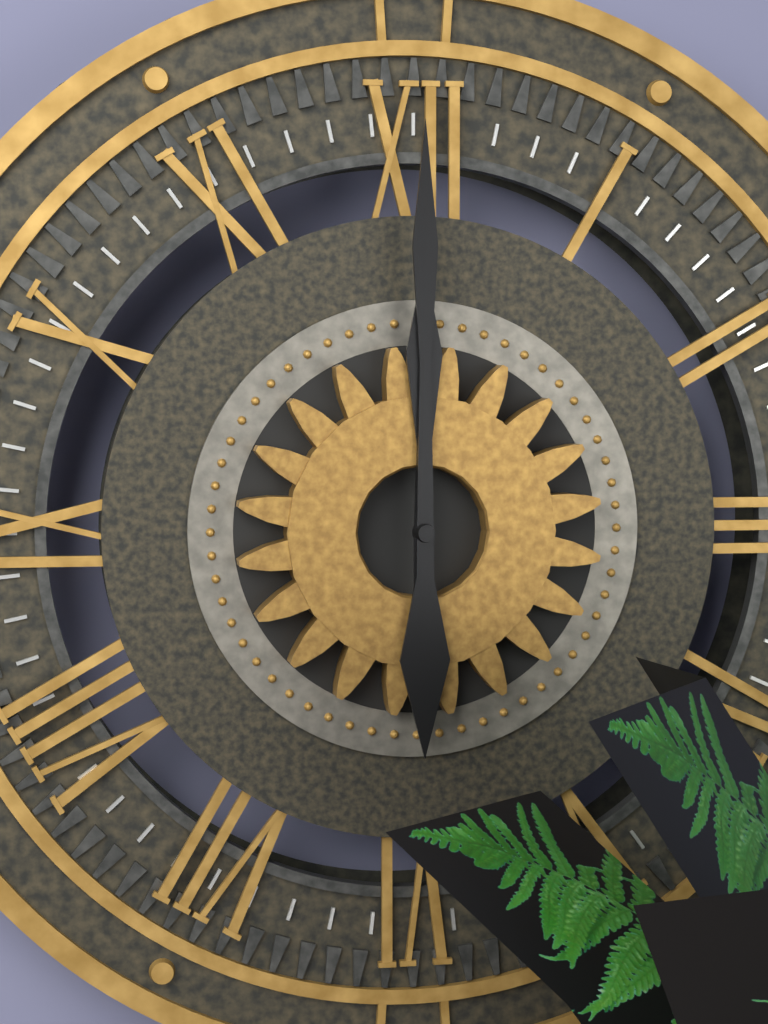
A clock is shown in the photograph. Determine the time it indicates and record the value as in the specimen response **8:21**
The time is **12:00**
